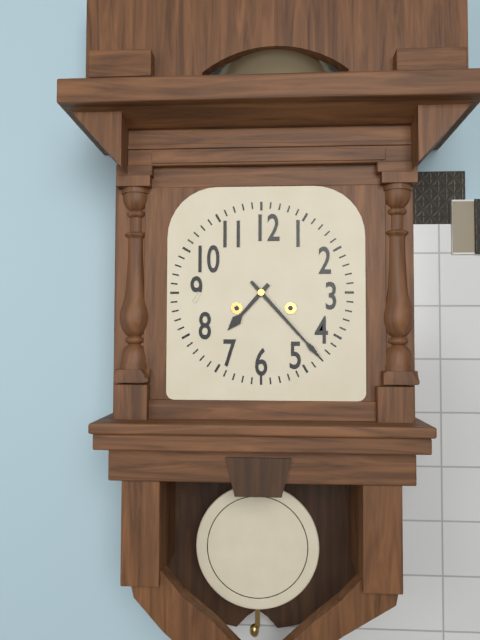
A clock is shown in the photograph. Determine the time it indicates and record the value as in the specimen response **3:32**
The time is **7:23**
